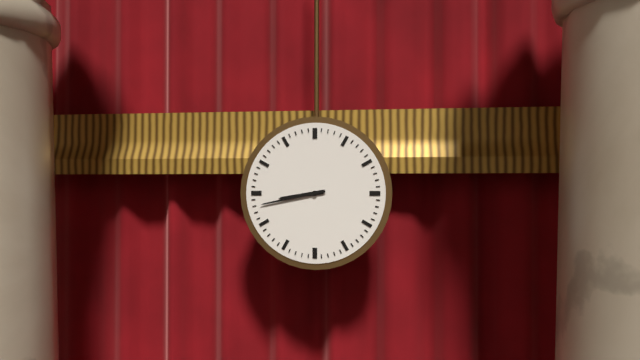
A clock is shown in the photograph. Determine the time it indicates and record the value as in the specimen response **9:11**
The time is **8:43**
